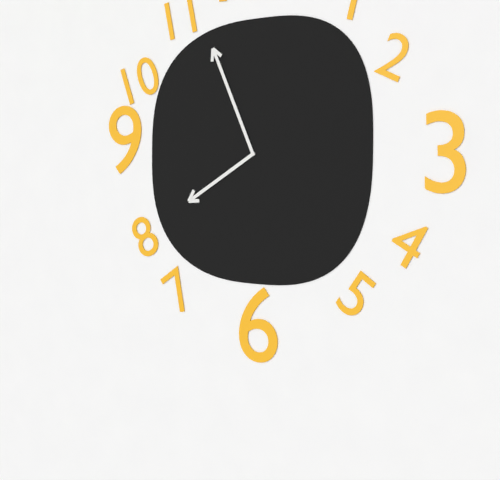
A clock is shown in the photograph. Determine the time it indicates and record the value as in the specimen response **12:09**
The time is **7:56**
